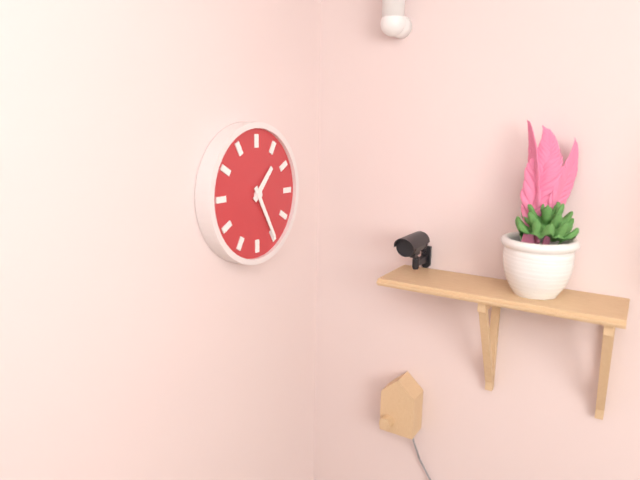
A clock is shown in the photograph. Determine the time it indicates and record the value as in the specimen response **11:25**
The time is **1:25**
